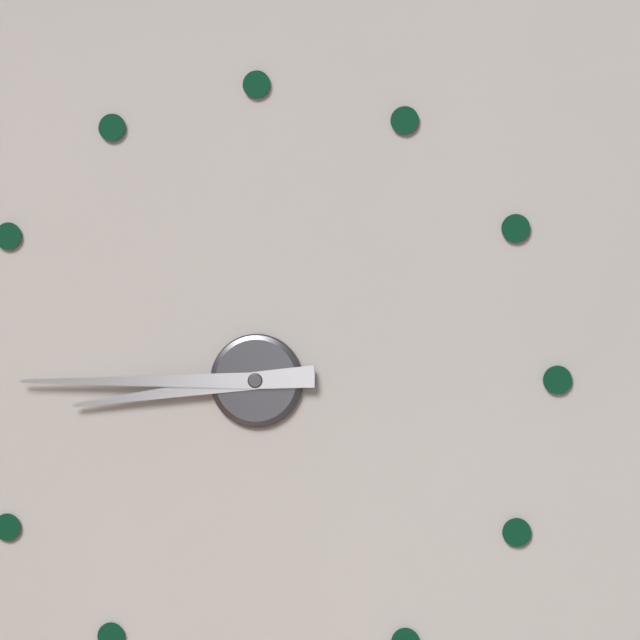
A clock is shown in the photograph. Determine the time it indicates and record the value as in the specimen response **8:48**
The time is **8:45**
